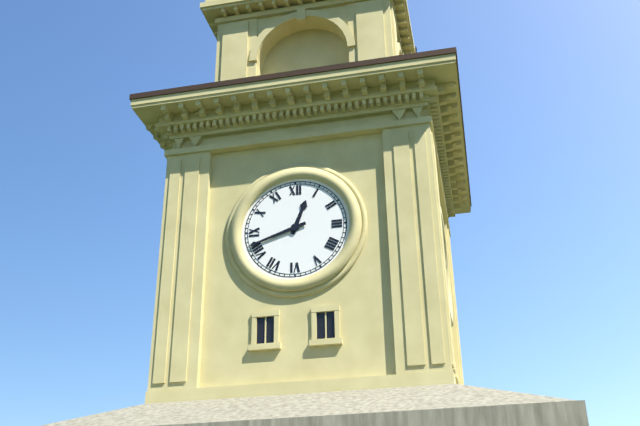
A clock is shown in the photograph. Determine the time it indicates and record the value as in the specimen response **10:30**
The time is **12:42**
